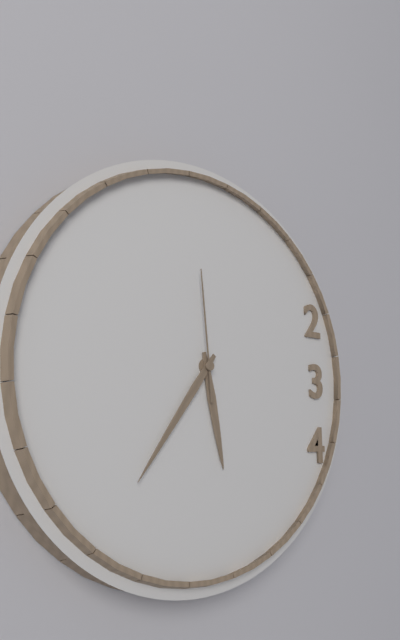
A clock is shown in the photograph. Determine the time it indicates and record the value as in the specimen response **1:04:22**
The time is **5:36:59**
